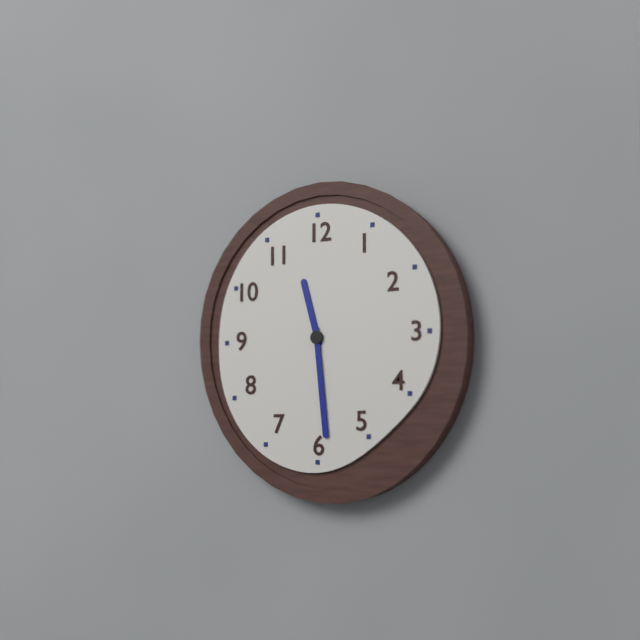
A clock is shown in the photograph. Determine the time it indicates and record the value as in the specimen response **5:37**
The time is **11:29**
